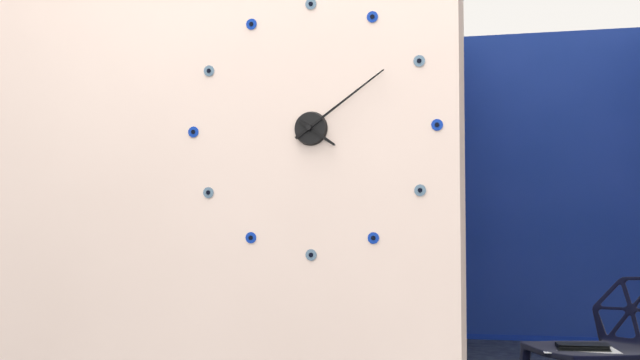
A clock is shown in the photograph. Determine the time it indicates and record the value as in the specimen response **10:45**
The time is **4:09**
